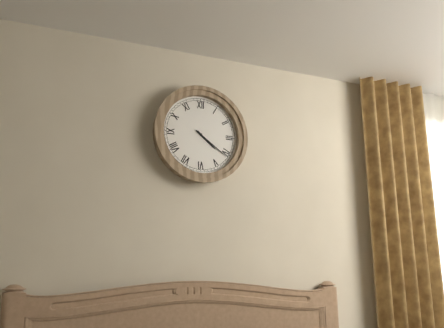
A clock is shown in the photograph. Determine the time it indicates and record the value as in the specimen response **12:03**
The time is **4:21**
